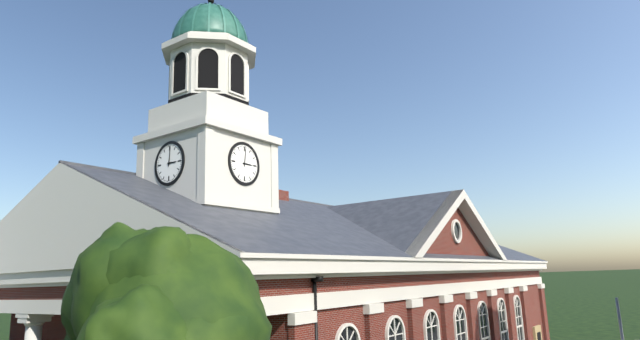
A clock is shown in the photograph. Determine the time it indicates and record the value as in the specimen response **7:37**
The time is **3:01**
